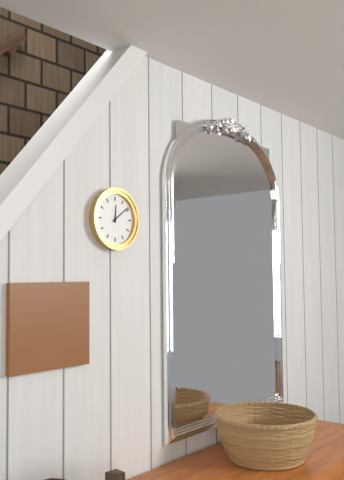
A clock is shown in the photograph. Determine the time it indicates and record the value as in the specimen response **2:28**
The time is **12:09**
